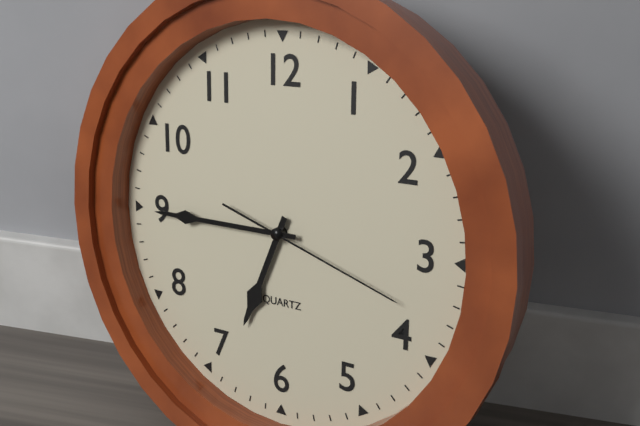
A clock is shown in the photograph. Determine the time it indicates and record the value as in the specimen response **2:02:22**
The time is **6:45:18**
